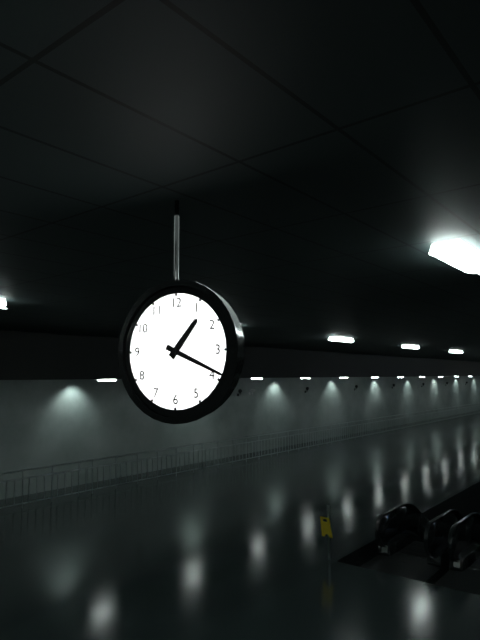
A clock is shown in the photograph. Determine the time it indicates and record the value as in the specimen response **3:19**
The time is **1:19**
